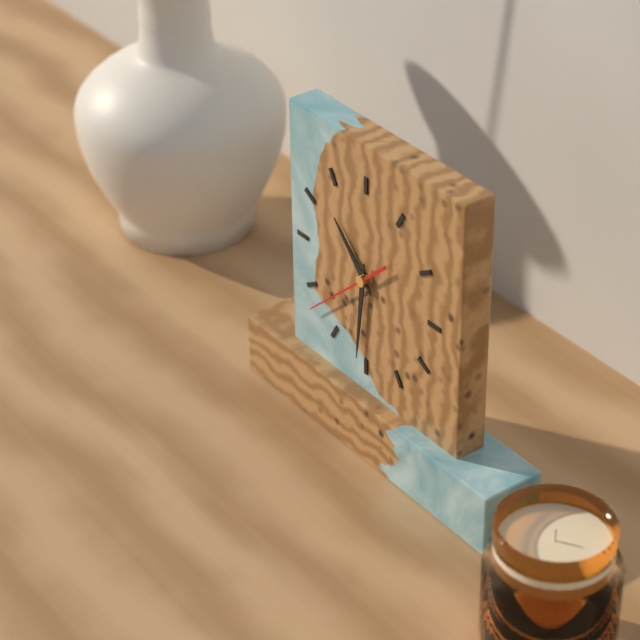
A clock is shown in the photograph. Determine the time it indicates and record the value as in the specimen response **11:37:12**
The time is **10:31:38**
